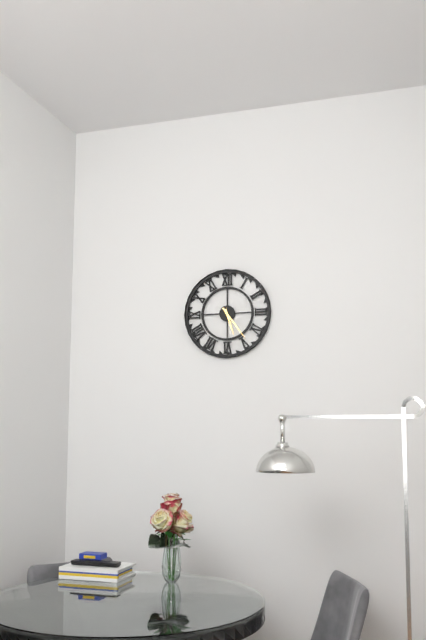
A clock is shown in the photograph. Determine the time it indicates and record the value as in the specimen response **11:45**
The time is **5:24**
